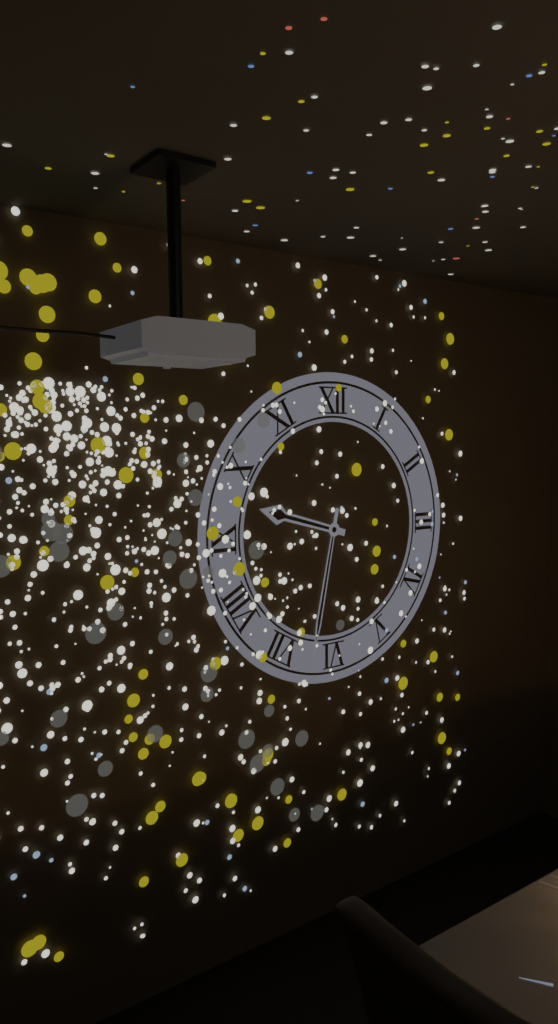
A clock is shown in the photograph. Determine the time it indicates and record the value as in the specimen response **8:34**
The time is **9:32**
